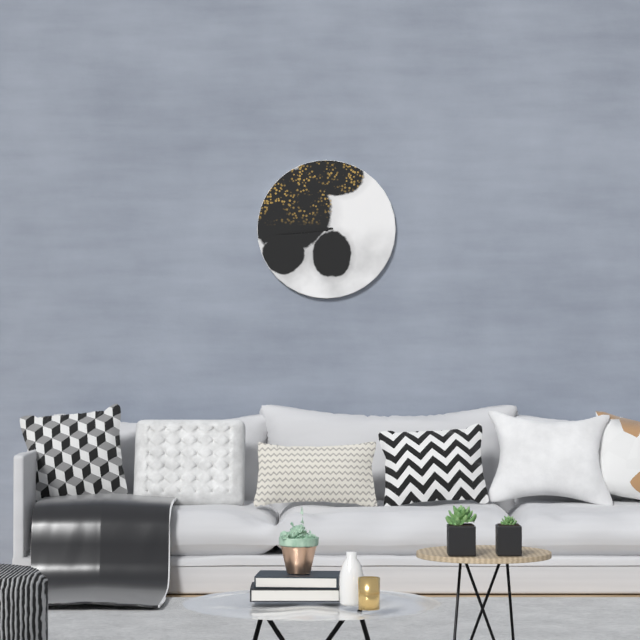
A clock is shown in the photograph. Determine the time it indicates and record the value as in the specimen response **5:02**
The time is **8:44**
